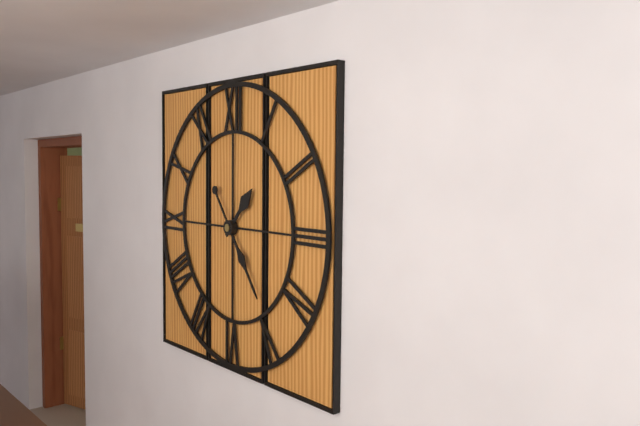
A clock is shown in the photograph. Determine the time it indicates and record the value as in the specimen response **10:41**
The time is **1:24**
